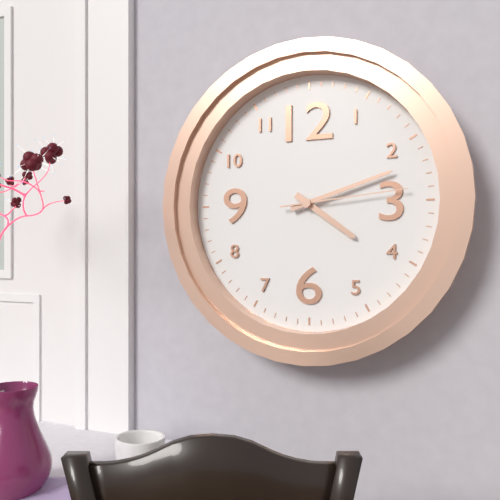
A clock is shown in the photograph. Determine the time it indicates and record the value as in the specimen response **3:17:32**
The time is **4:12:14**
